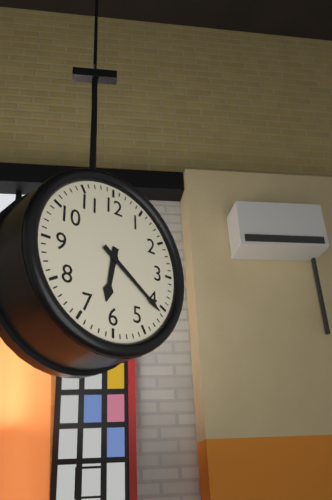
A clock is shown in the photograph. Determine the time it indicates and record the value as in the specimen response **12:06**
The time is **6:21**
